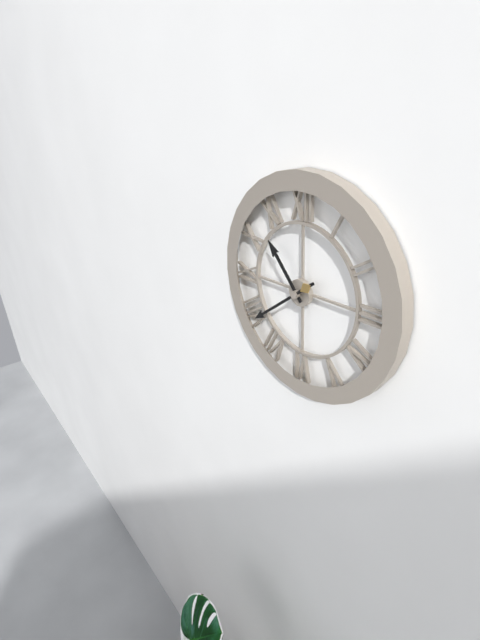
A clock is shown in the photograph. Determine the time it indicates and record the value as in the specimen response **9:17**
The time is **10:39**
